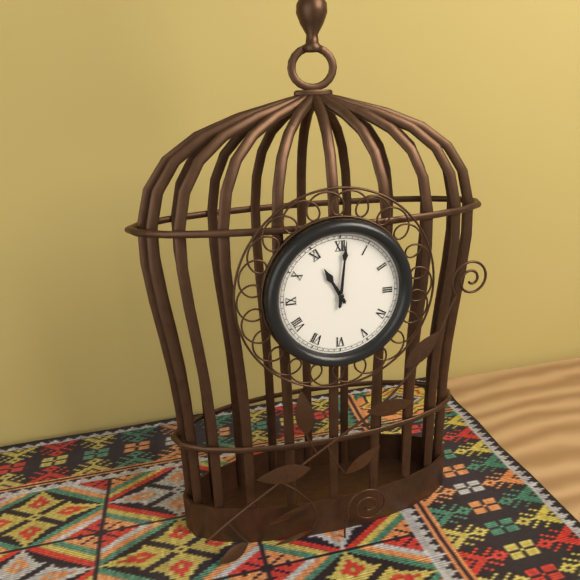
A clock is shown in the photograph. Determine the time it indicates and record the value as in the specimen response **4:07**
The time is **11:01**
